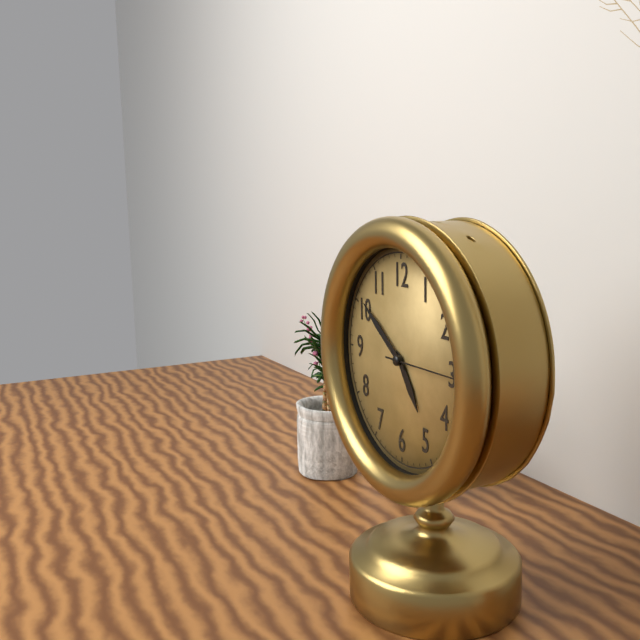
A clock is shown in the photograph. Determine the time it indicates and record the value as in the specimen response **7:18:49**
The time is **4:51:15**
